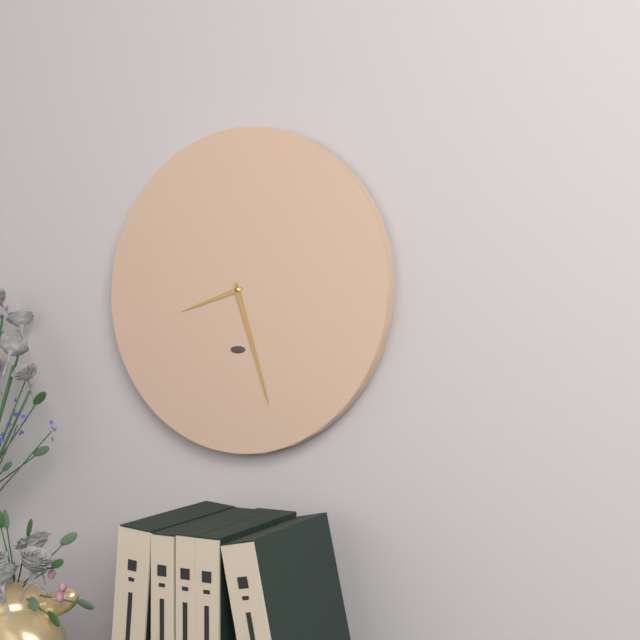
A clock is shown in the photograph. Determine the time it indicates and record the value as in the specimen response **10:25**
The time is **8:27**
